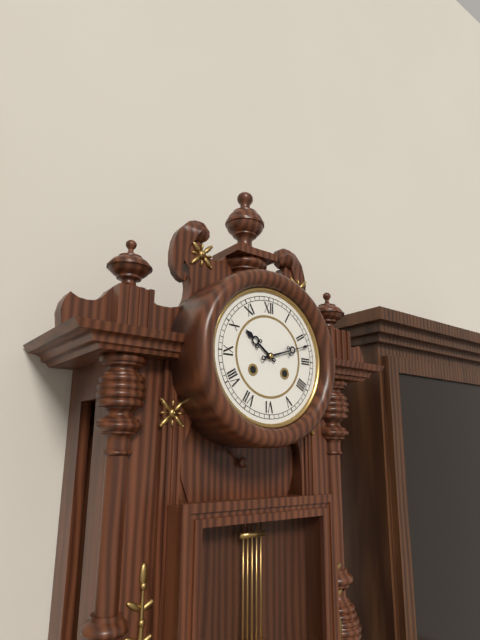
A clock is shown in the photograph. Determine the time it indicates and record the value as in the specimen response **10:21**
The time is **10:12**
